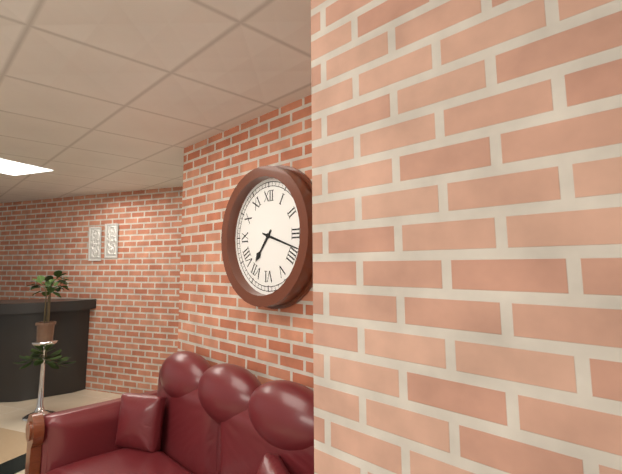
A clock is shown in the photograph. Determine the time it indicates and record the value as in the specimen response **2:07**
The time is **7:18**
